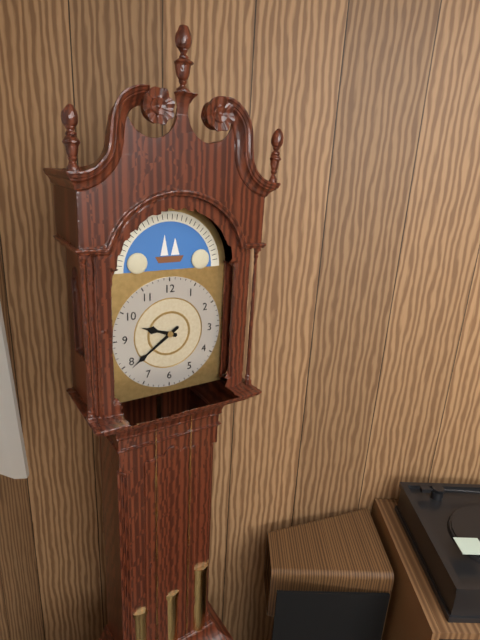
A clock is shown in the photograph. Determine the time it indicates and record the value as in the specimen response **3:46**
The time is **9:39**
